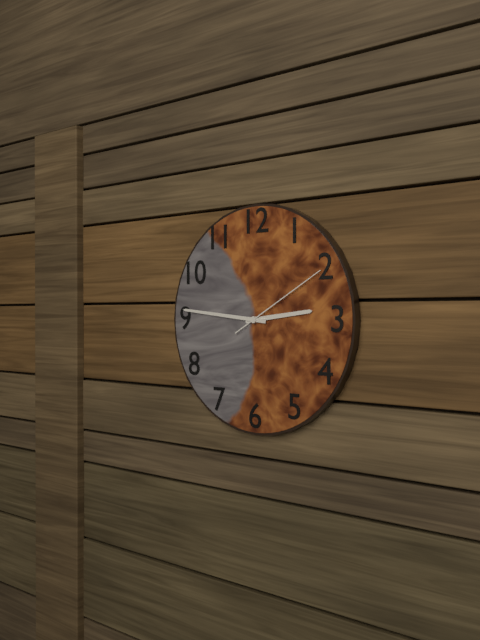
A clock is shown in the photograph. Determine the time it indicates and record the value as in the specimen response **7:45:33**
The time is **2:46:10**
